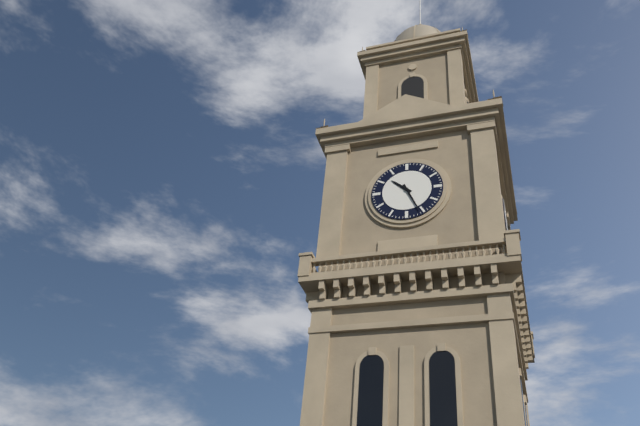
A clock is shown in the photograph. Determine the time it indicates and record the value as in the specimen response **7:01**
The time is **10:26**
